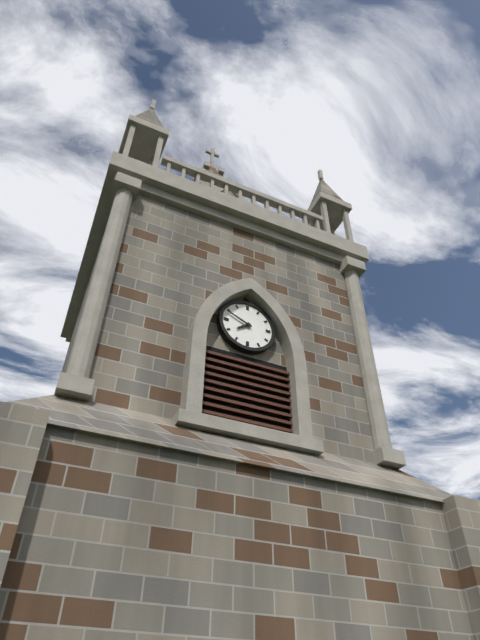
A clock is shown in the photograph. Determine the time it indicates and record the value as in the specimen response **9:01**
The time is **7:49**
